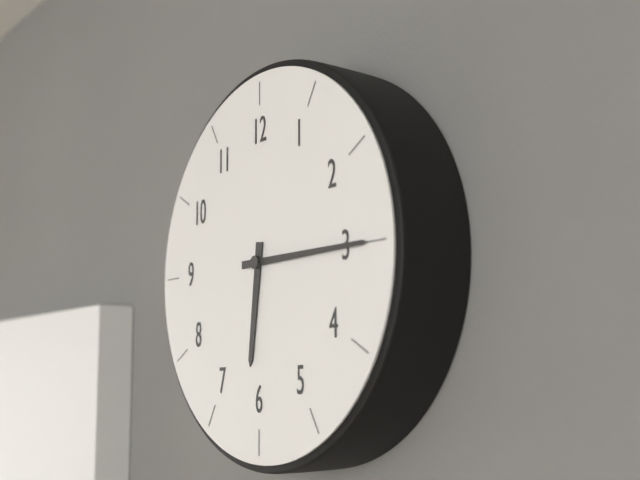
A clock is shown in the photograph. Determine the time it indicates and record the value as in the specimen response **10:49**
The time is **6:15**
